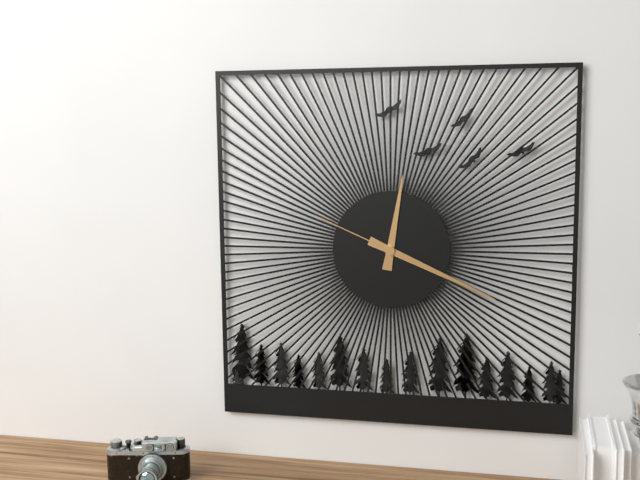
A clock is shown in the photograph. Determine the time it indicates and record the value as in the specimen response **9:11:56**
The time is **12:19:49**
